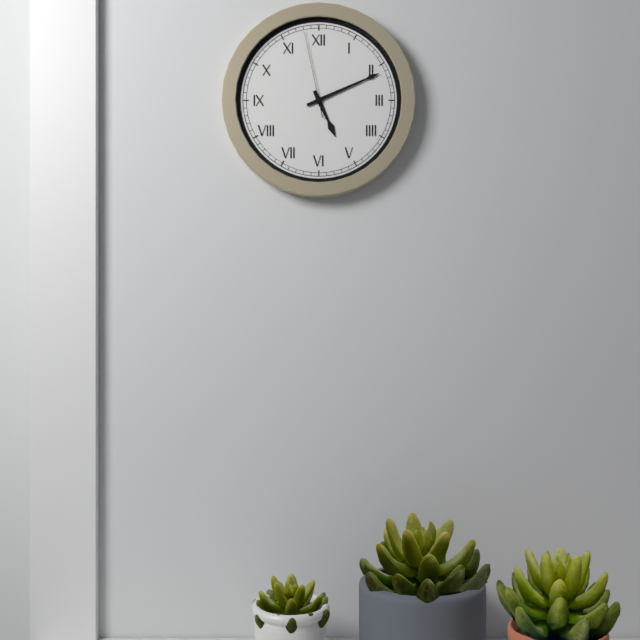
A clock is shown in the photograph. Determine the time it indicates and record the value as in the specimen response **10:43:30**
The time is **5:11:58**
